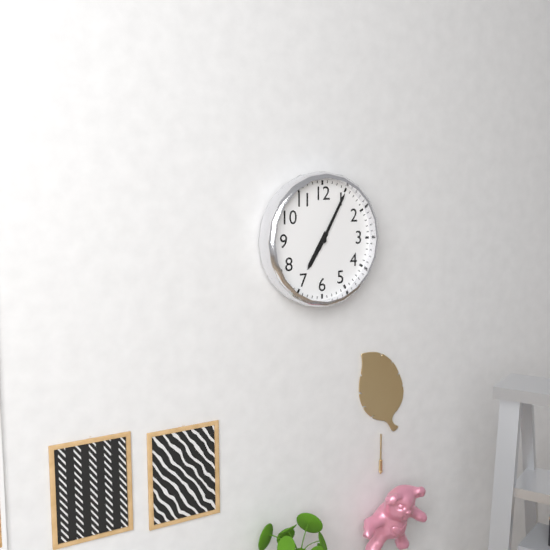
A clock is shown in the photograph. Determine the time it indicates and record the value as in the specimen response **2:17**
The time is **7:05**
